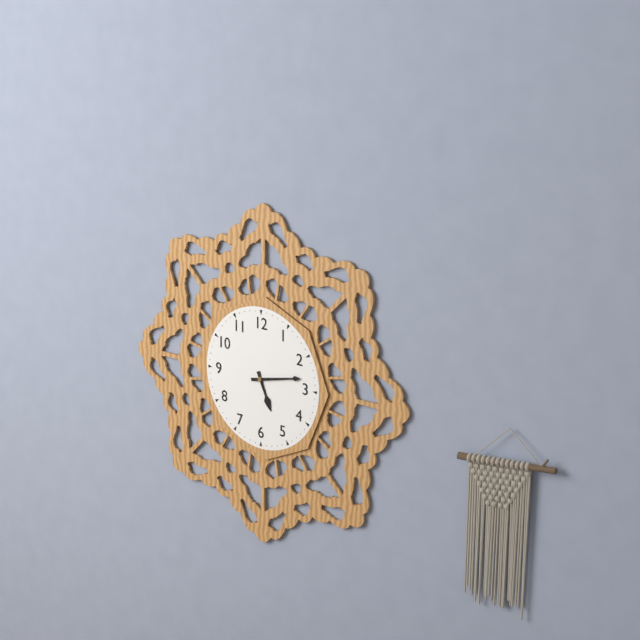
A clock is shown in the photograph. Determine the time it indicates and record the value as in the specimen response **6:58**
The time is **5:13**
